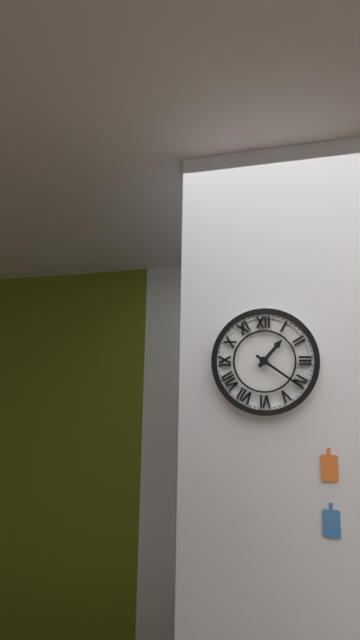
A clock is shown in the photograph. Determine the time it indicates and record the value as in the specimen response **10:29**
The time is **1:21**
